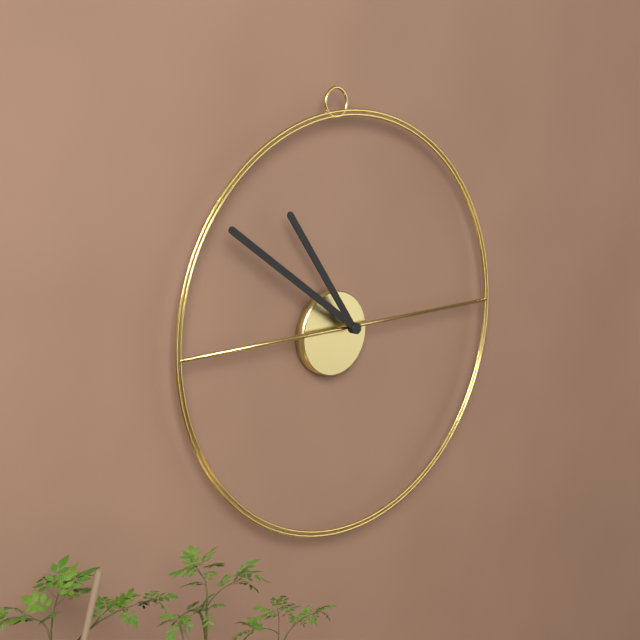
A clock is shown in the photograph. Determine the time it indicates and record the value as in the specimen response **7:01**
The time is **10:51**
